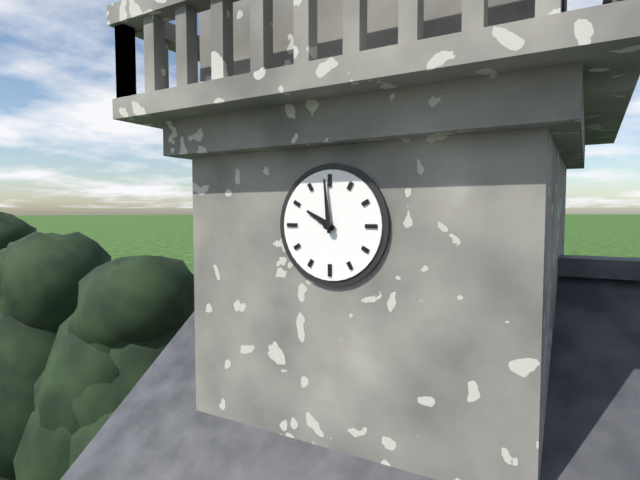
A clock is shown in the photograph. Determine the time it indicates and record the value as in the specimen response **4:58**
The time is **9:59**
